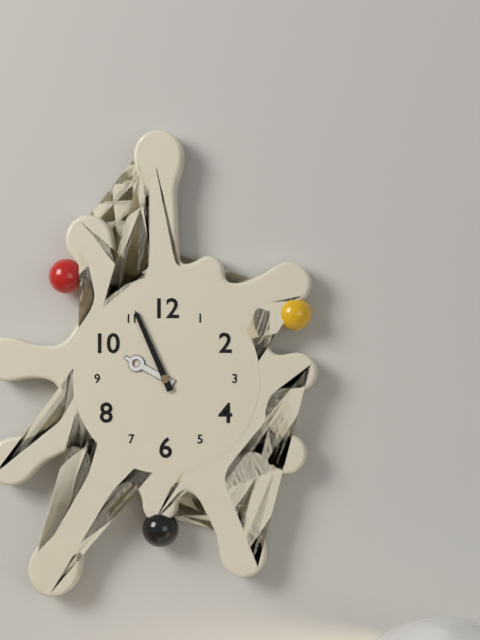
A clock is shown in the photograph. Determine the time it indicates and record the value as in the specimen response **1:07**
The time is **9:56**
